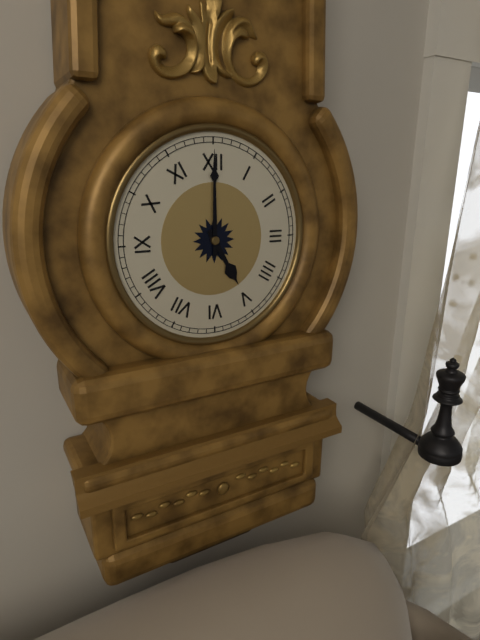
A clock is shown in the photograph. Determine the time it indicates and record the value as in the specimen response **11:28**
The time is **5:00**
